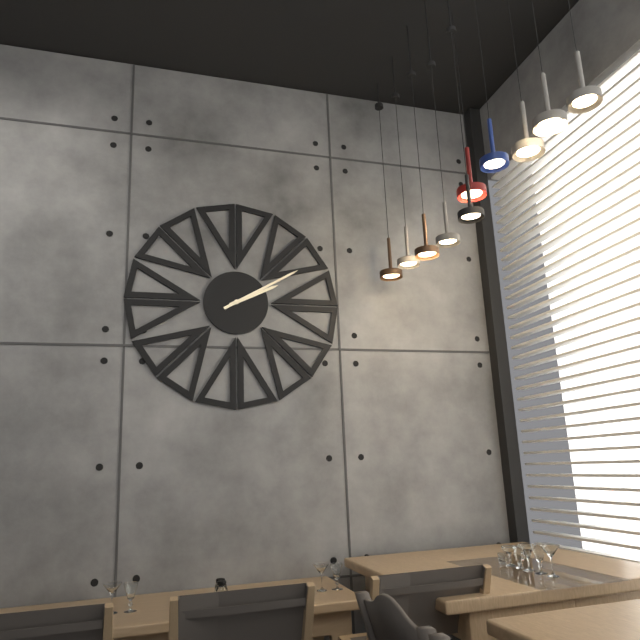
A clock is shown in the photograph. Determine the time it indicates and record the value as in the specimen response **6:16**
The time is **2:10**
